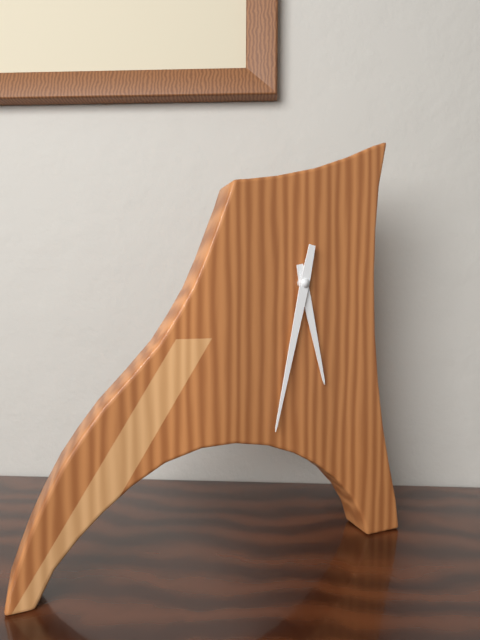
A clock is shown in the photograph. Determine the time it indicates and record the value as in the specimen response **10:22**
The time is **5:32**
